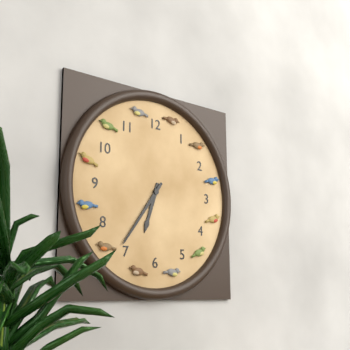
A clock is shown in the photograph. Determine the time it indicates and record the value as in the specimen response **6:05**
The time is **6:36**
